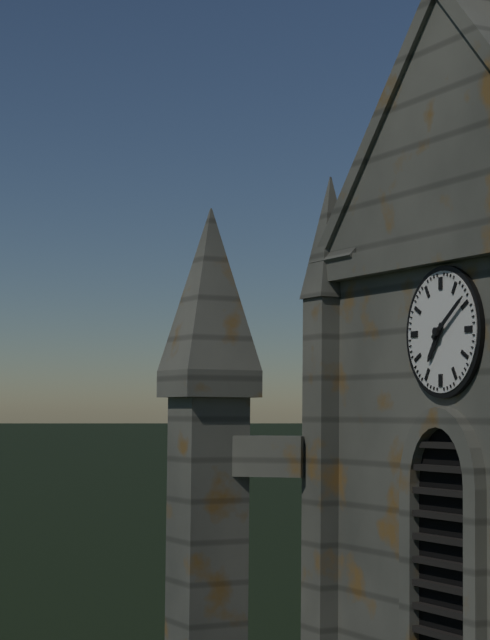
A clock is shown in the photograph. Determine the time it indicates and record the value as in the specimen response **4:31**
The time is **7:09**
